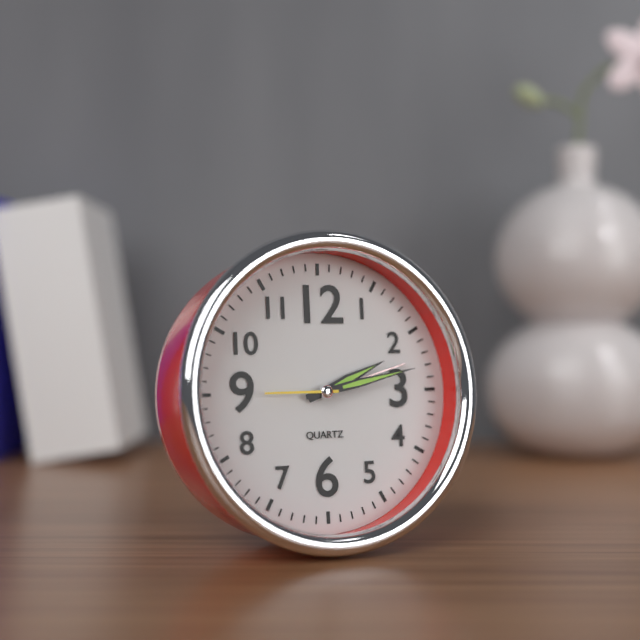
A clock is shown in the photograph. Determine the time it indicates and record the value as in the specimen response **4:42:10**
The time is **2:13:45**
